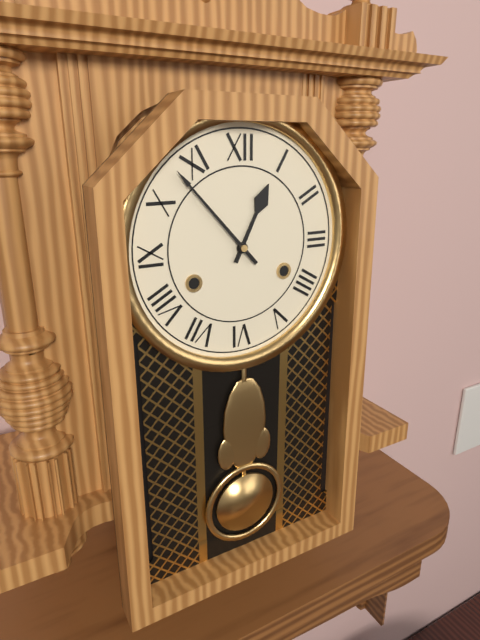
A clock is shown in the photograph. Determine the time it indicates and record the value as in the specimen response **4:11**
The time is **12:53**
